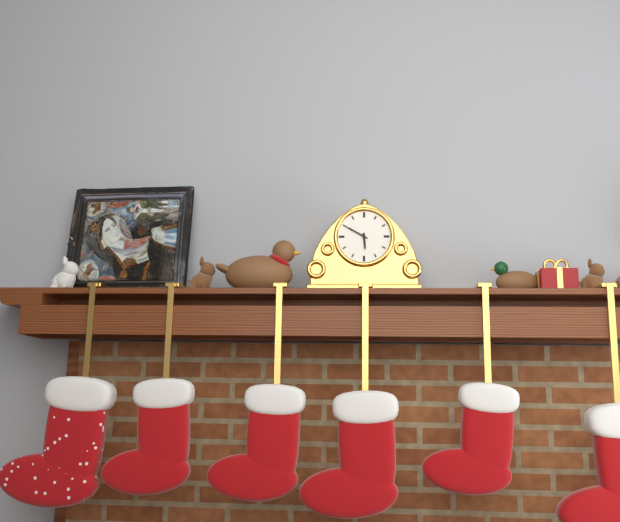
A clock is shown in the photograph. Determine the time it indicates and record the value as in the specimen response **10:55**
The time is **5:50**
